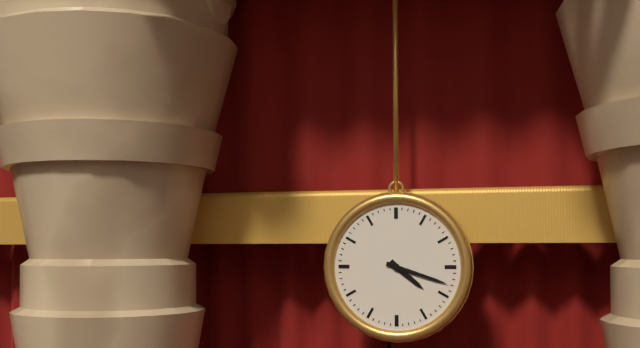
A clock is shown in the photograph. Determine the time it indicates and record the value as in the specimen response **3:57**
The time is **4:18**
